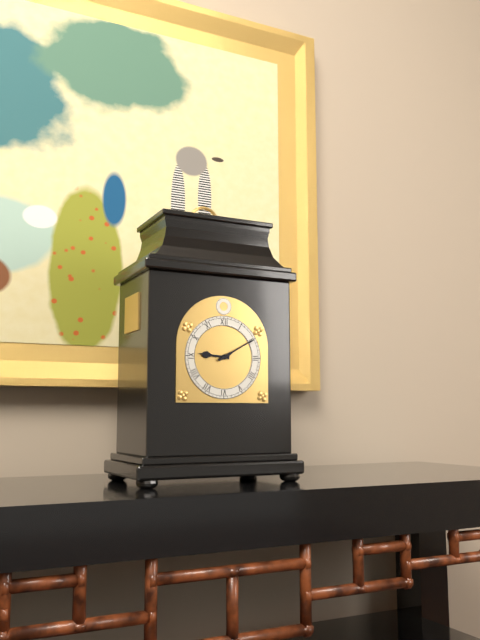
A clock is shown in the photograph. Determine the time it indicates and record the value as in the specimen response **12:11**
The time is **9:10**
